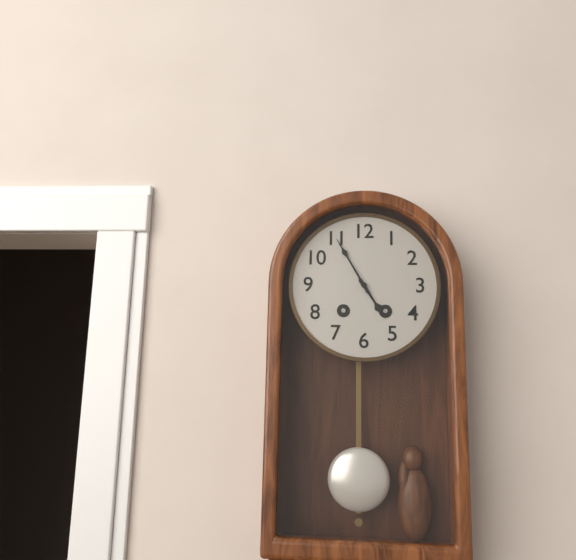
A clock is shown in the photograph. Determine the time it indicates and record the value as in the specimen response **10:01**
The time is **4:55**
